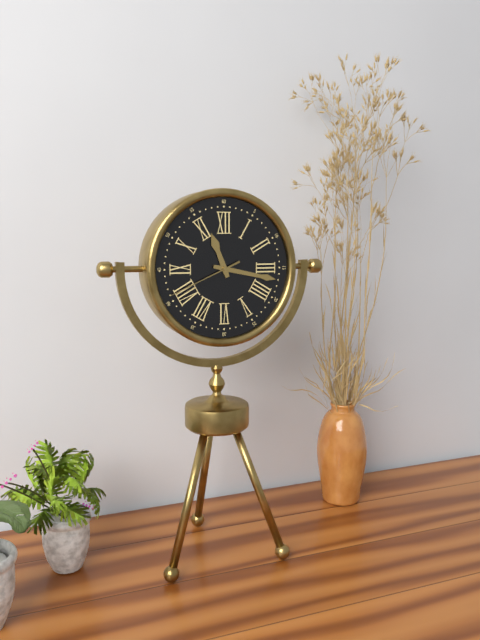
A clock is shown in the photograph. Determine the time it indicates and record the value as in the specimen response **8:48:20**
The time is **11:17:41**
